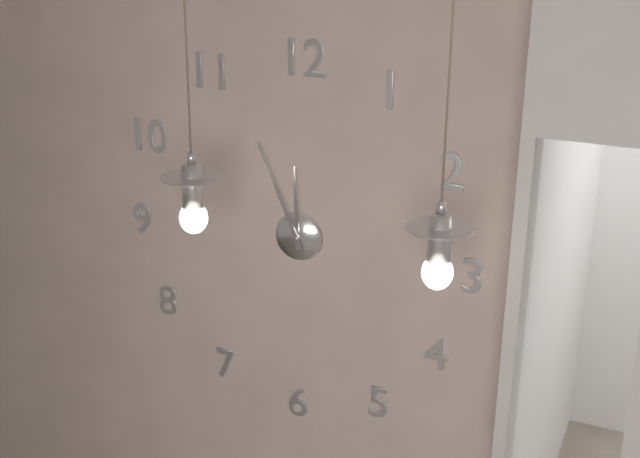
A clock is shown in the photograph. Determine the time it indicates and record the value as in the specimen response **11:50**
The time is **11:56**
